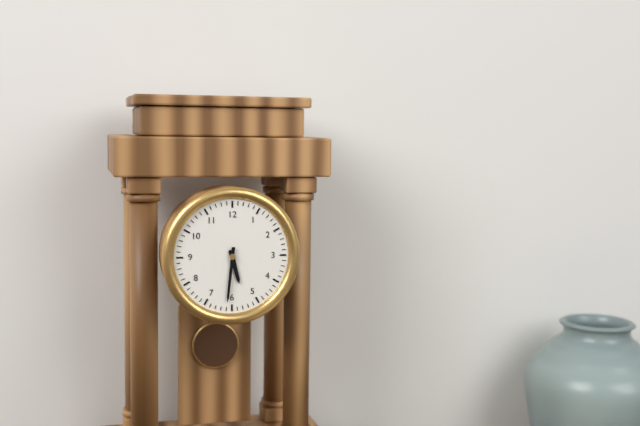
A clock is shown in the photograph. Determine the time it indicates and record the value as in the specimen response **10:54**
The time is **5:31**
